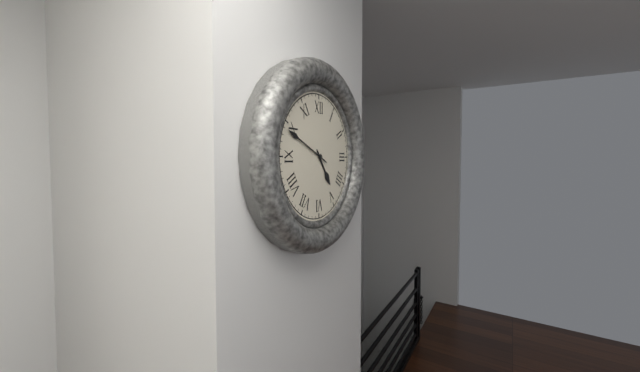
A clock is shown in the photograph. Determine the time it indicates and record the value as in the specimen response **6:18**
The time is **4:49**
